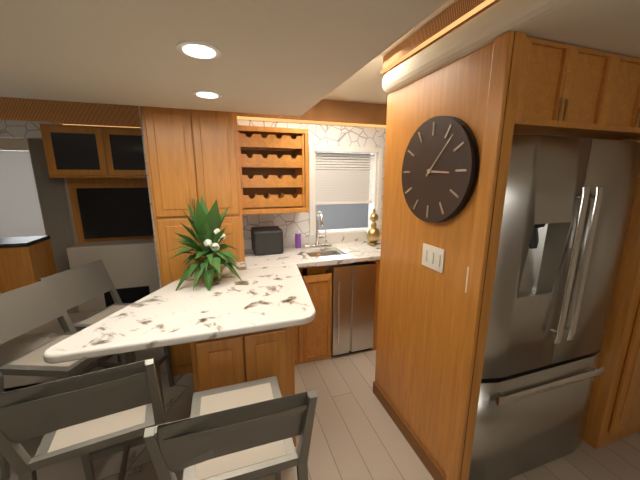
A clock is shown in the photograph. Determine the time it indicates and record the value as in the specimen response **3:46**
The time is **3:07**
